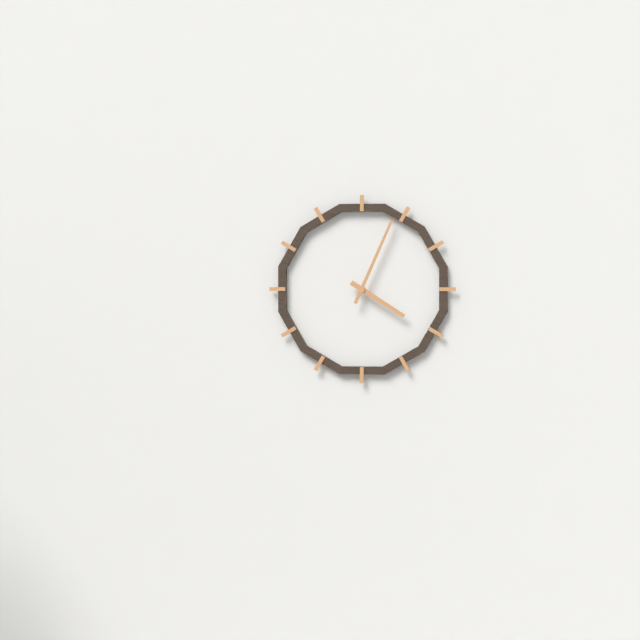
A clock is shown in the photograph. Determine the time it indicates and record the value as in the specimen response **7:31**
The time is **4:04**
